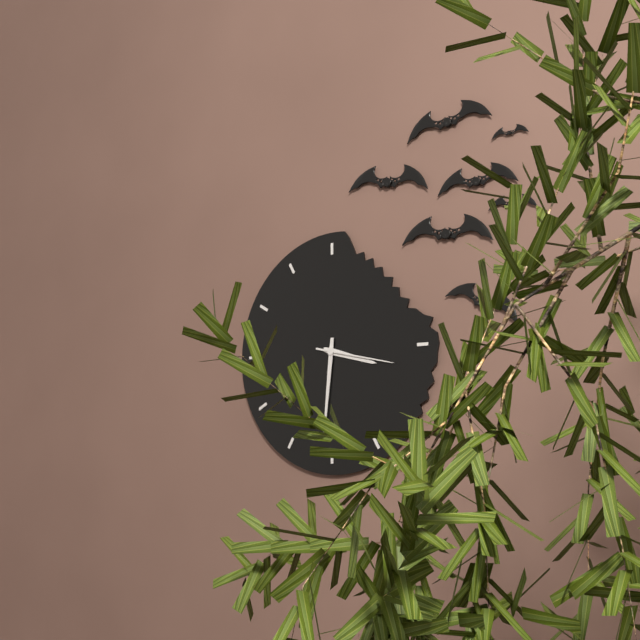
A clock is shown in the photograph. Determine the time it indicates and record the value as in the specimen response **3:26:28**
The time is **3:31:17**
